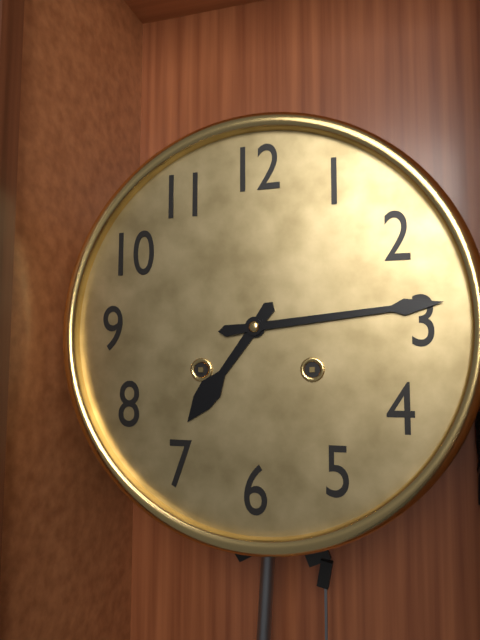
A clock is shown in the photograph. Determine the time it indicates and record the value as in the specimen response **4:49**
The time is **7:14**
